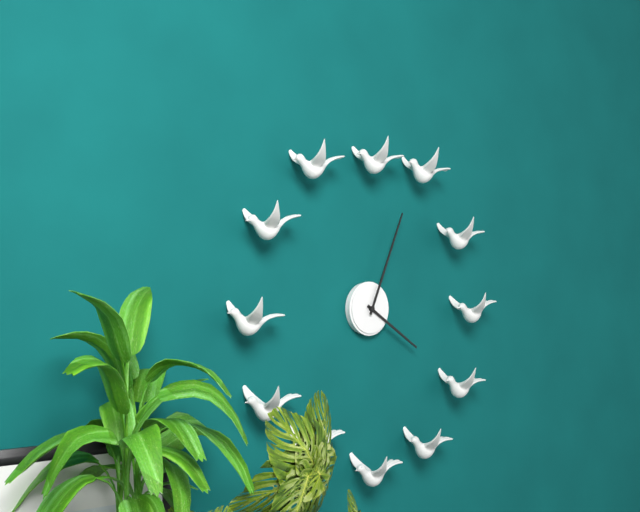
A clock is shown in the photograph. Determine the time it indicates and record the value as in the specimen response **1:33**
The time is **4:04**
